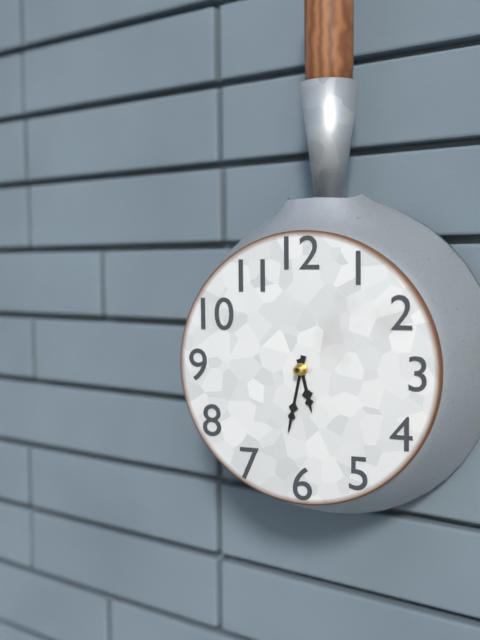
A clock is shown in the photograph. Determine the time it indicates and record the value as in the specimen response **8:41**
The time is **5:32**
